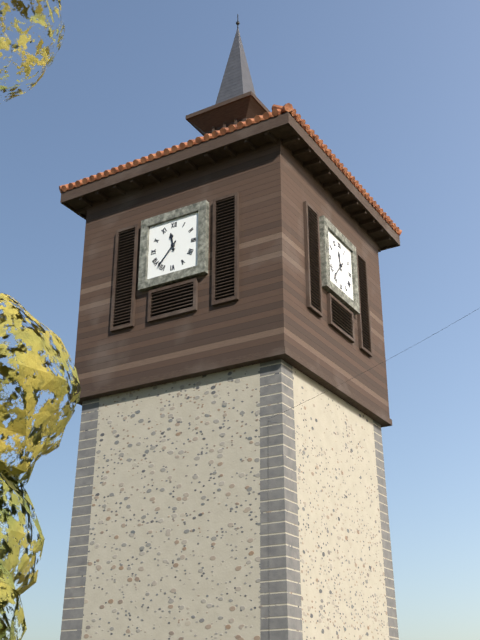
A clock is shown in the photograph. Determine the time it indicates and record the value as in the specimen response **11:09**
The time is **11:37**
